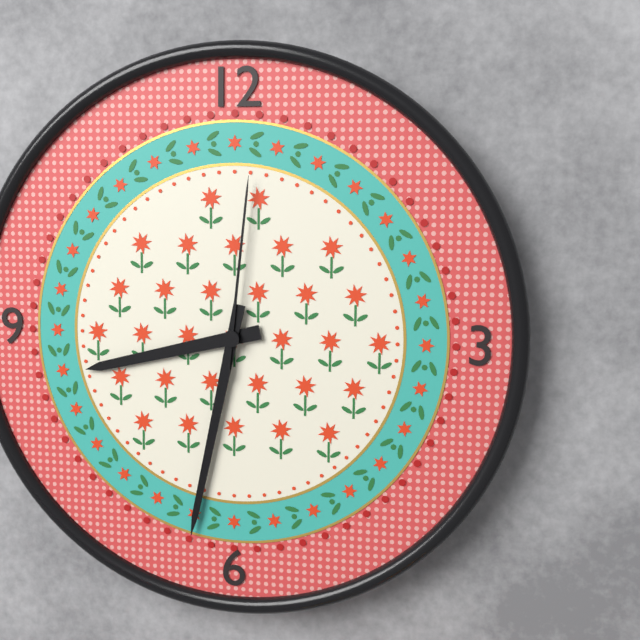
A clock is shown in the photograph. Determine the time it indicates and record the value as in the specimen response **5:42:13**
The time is **8:32:01**
